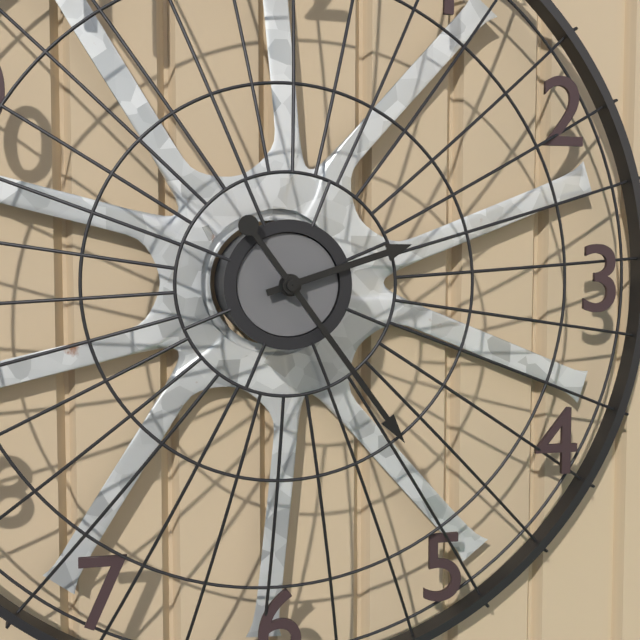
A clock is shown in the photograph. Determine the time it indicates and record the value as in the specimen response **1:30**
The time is **2:24**
